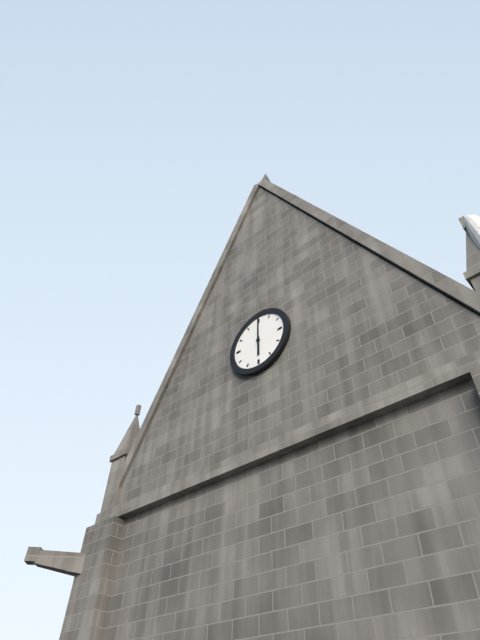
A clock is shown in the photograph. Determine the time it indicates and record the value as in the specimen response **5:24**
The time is **6:00**
